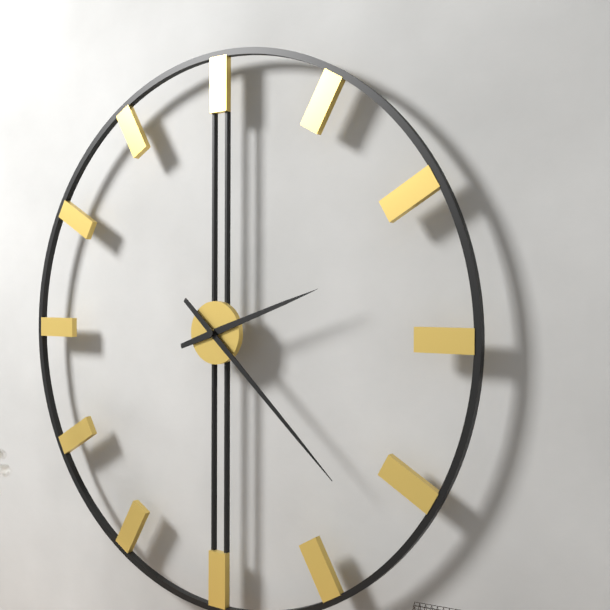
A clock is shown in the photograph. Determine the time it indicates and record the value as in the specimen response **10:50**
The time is **2:22**
